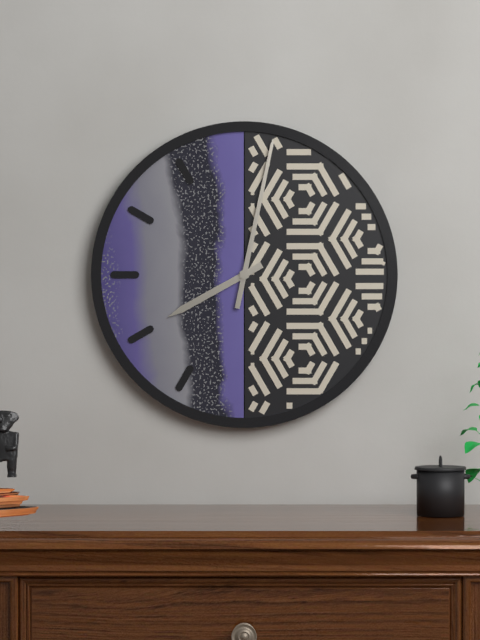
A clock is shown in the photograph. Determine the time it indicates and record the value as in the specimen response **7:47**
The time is **8:02**
